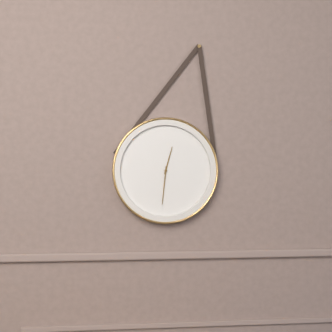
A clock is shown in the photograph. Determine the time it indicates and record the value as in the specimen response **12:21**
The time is **12:31**
